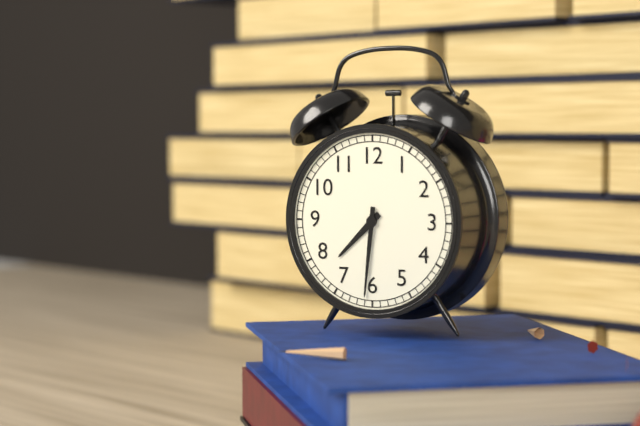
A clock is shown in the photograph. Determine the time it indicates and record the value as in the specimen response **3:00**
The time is **7:31**
